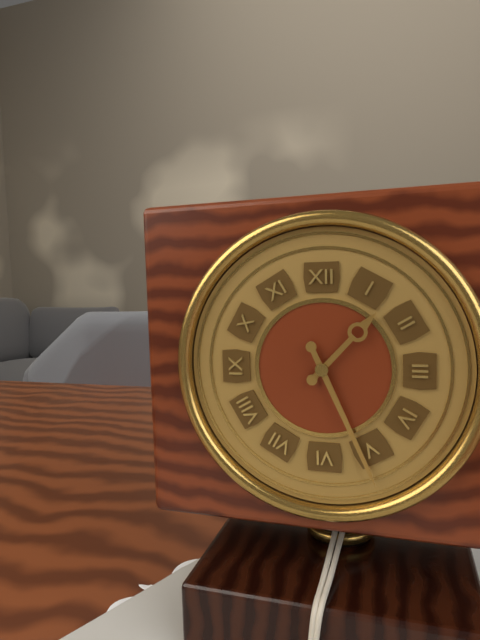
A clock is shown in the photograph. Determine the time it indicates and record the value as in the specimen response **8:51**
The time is **1:26**
